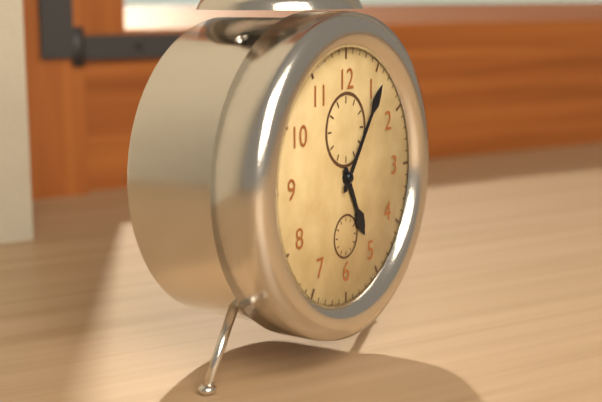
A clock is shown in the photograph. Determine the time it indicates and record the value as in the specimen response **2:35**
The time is **5:06**
